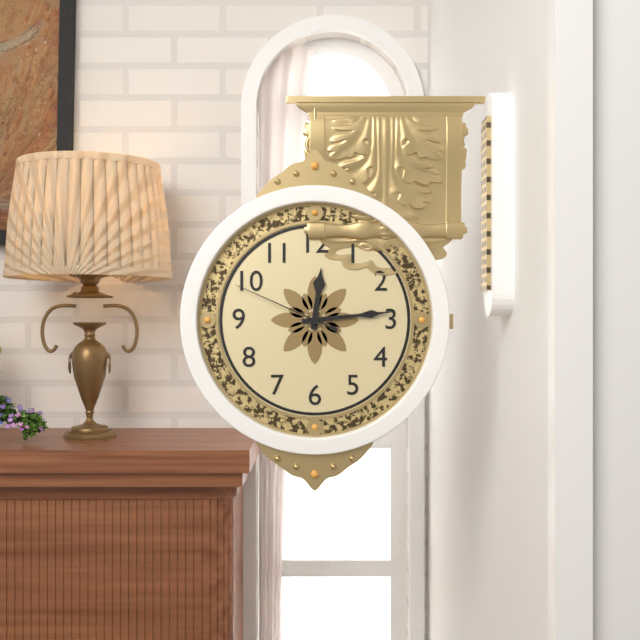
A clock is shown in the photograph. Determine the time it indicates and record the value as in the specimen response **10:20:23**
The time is **12:14:49**
